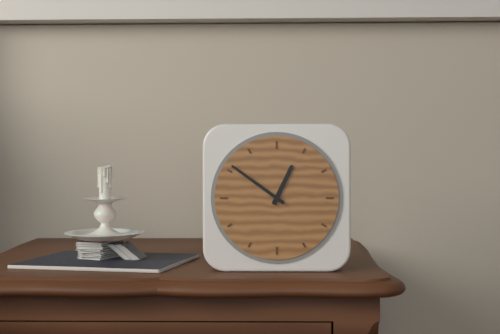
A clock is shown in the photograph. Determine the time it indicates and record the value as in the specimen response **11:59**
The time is **12:51**
